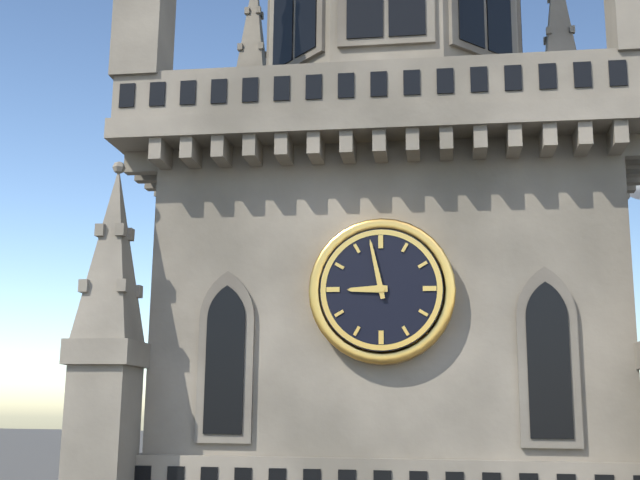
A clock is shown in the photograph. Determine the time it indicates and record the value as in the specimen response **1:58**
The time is **8:58**
